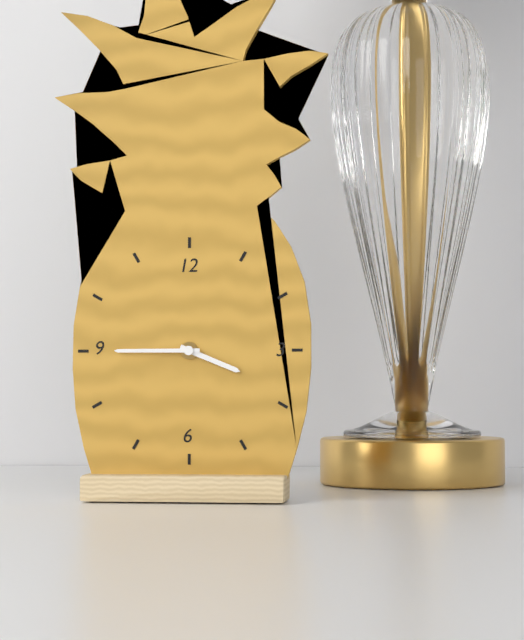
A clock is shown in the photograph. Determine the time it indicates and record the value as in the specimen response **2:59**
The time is **3:45**
